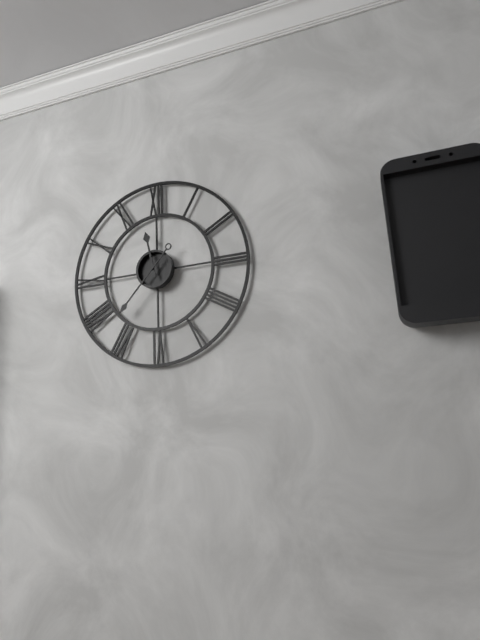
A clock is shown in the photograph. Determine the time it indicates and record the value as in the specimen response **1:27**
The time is **11:37**
